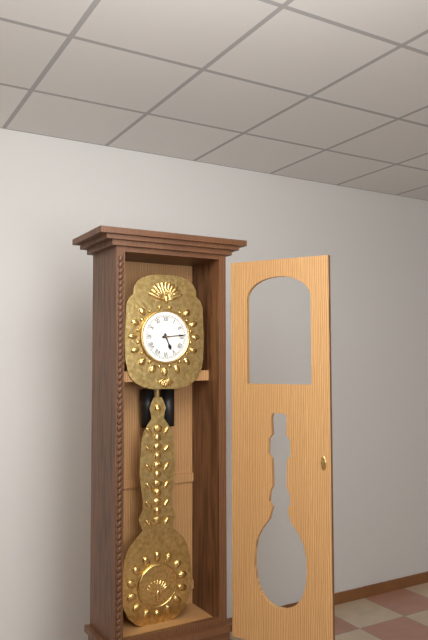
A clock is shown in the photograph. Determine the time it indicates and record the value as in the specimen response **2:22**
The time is **5:14**
